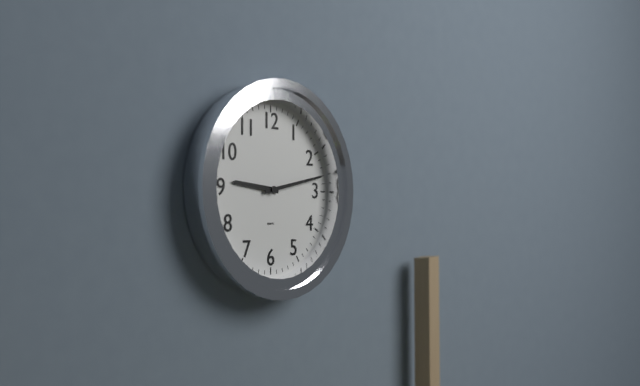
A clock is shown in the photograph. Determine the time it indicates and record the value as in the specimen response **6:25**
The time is **9:13**
